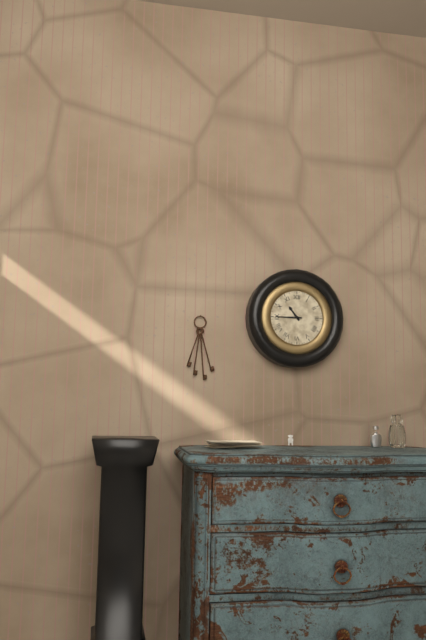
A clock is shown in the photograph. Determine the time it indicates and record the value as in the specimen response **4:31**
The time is **10:45**
